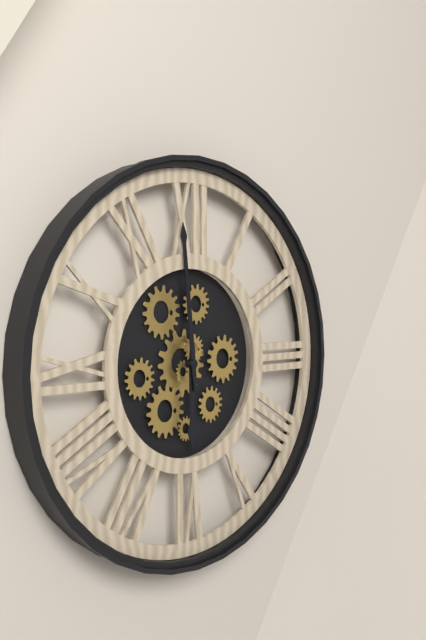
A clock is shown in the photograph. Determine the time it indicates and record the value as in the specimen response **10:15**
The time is **5:59**
